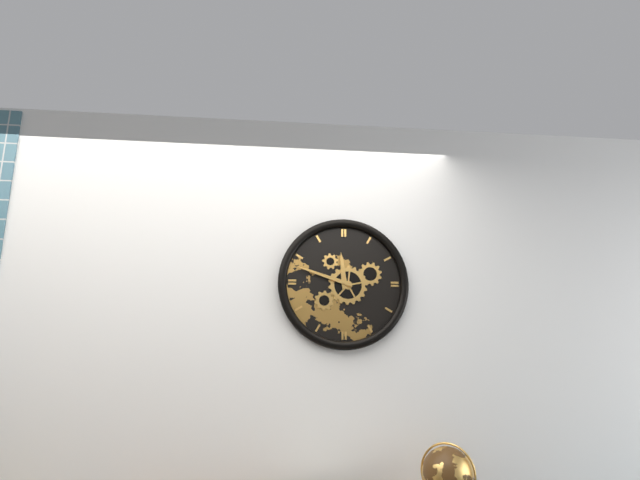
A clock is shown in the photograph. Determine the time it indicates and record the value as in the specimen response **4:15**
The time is **11:48**
